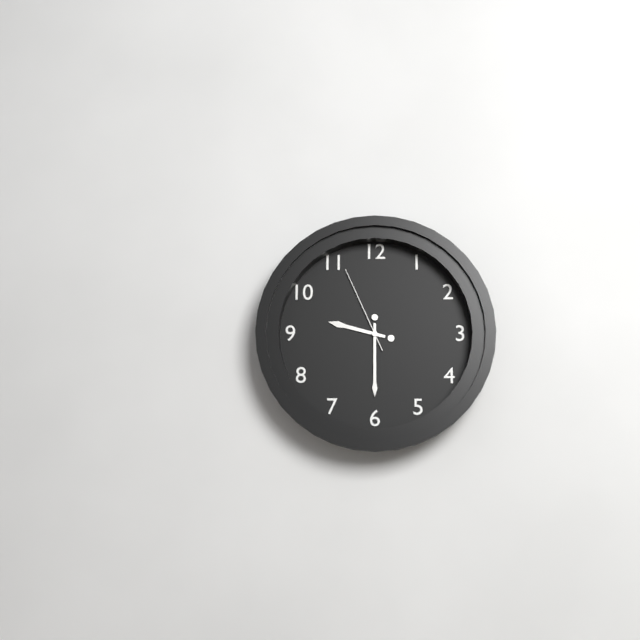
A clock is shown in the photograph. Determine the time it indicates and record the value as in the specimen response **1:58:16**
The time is **9:30:56**
